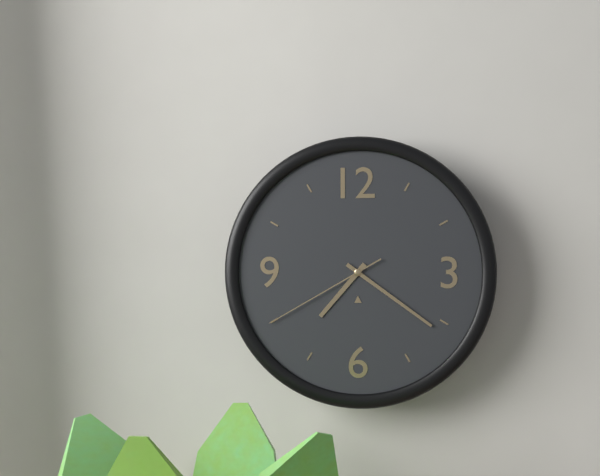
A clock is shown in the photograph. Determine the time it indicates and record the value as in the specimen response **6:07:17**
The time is **7:21:40**
